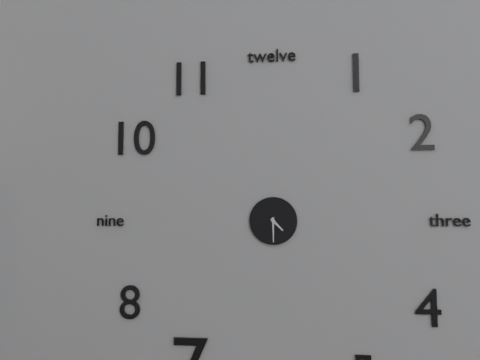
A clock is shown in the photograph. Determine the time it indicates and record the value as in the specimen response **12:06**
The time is **4:30**
